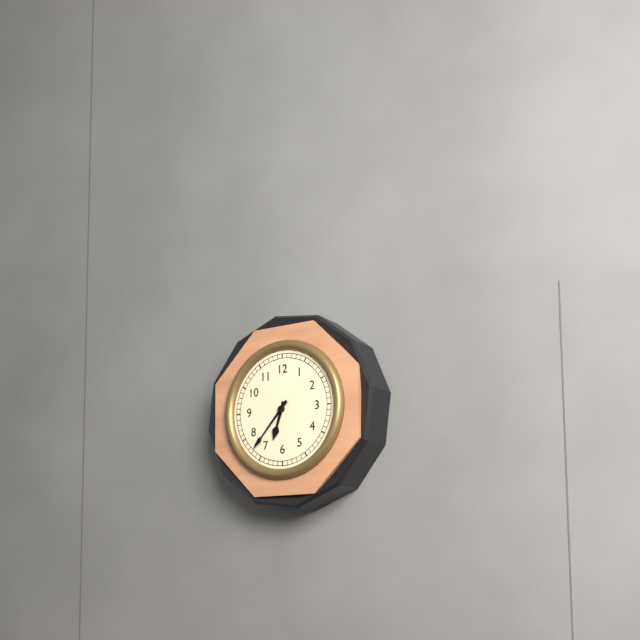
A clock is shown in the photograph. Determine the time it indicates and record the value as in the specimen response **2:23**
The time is **6:37**
